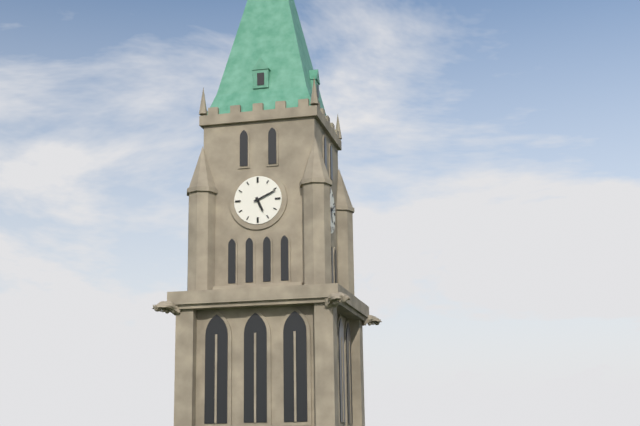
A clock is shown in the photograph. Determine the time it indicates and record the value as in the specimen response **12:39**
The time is **5:11**
